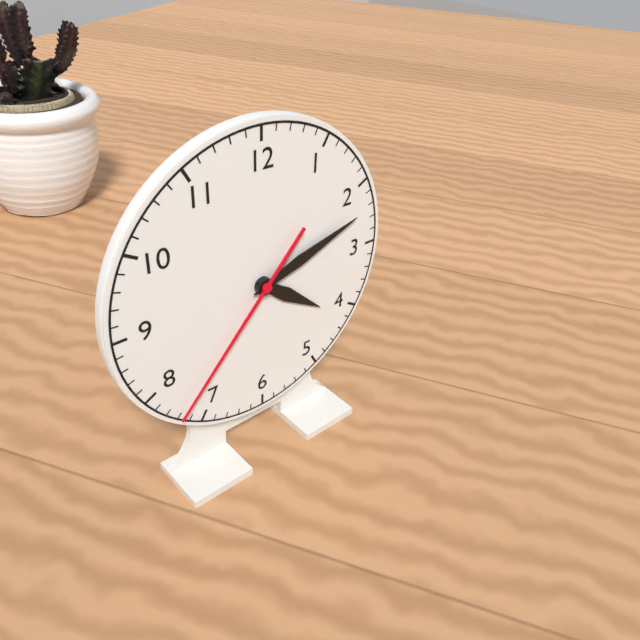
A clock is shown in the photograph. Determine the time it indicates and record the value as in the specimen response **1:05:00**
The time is **4:12:37**
